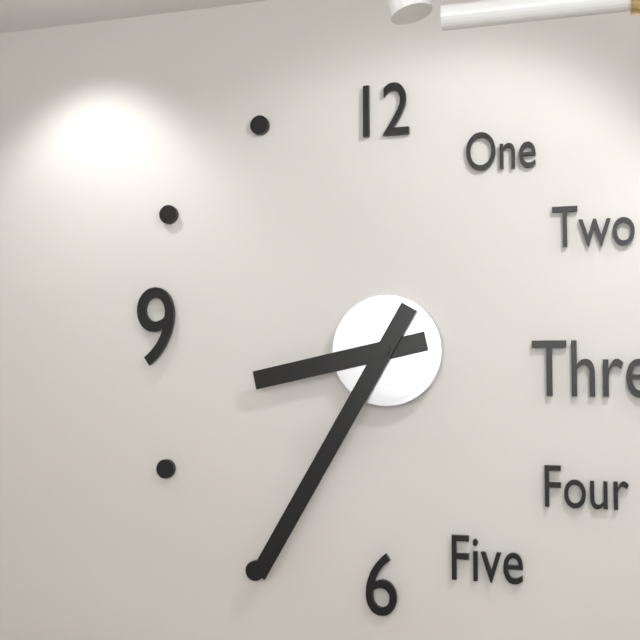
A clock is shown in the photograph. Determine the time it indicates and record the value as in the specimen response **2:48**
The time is **8:35**
